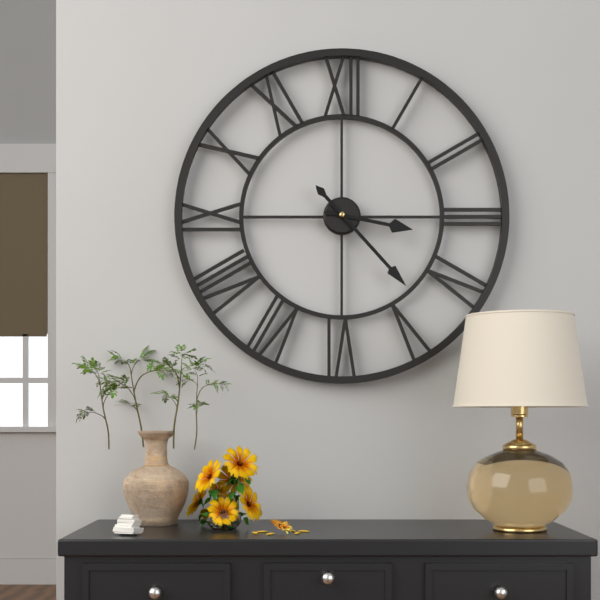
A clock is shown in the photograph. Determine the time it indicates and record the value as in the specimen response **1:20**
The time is **3:23**
